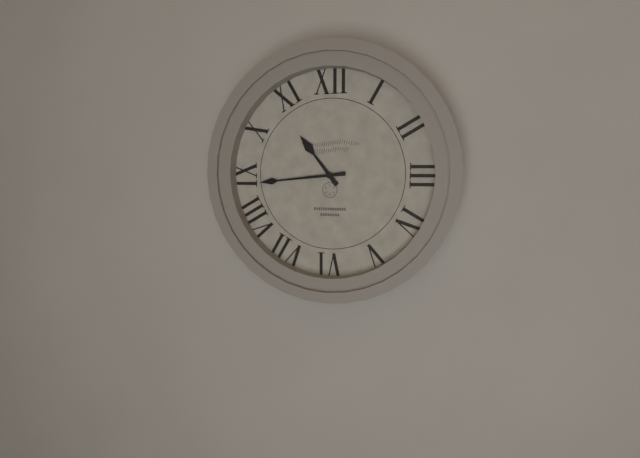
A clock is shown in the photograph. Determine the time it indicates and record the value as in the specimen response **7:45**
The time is **10:44**
